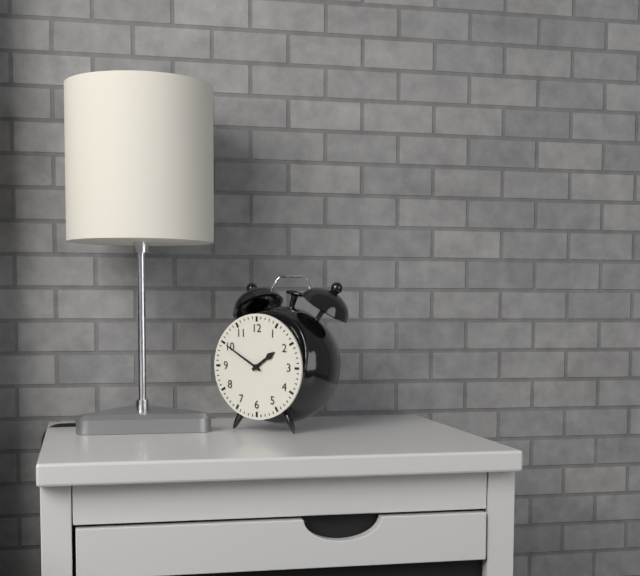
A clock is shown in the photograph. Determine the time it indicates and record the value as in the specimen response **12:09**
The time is **1:50**
